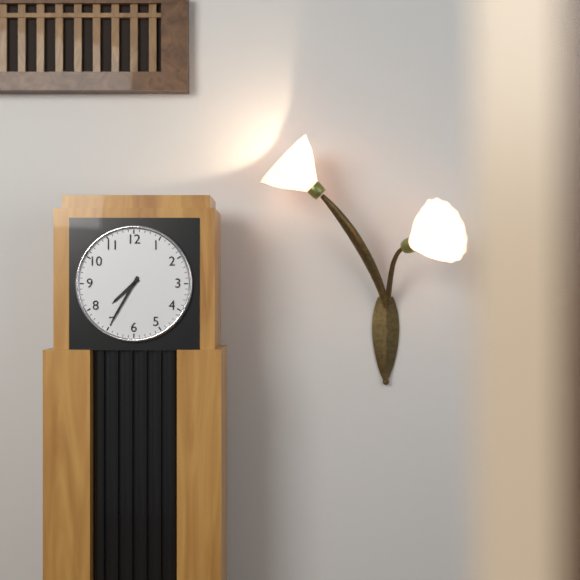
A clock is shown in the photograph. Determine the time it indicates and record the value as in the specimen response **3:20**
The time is **7:35**
